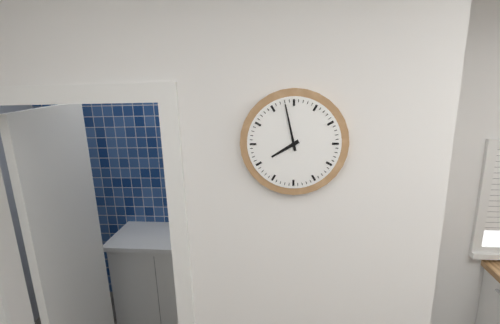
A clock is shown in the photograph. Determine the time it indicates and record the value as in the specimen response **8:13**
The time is **7:58**
